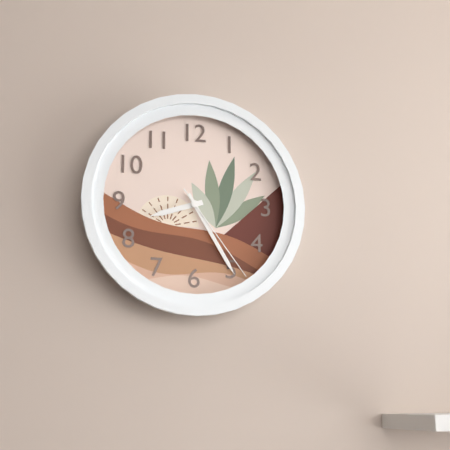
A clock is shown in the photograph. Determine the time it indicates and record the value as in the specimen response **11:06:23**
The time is **8:25:24**
